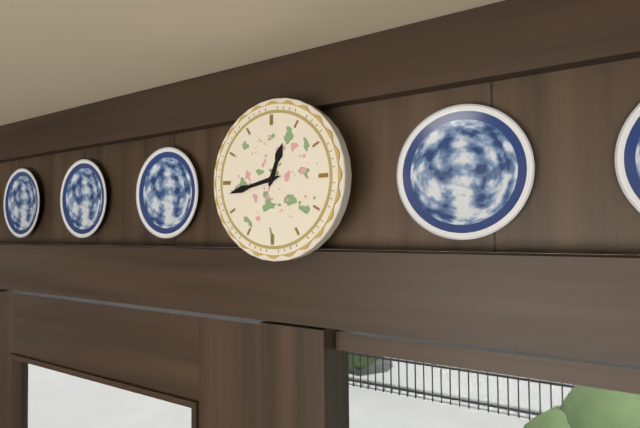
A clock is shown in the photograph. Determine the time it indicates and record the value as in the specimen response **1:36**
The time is **12:43**
